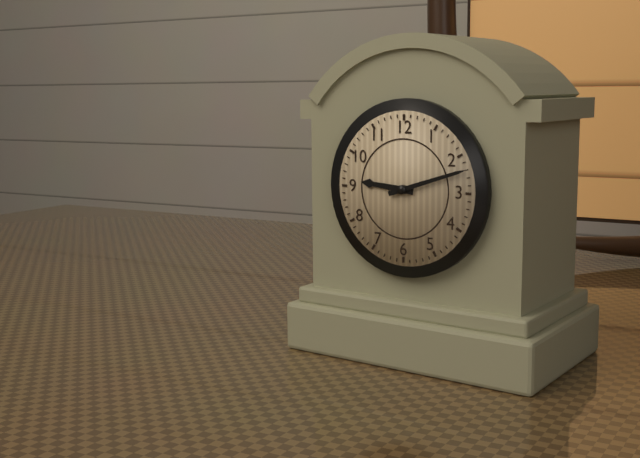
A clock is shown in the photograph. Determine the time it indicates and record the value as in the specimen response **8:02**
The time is **9:12**
